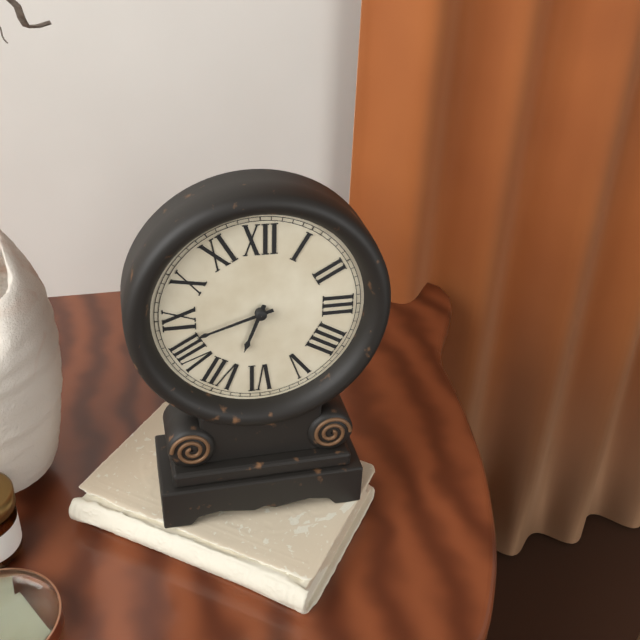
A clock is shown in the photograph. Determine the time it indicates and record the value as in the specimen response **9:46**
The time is **6:42**
